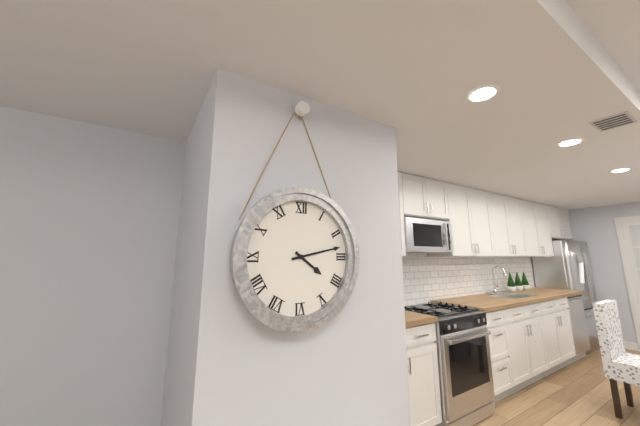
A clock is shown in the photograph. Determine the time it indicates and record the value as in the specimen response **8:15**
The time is **4:13**
